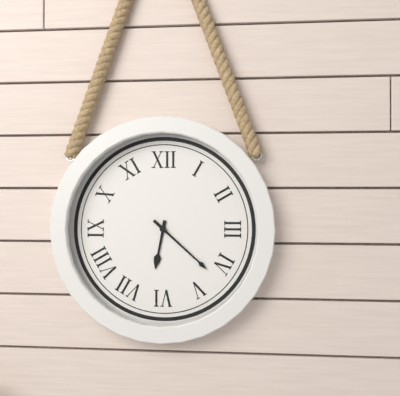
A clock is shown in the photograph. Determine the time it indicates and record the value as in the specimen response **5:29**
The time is **6:22**
